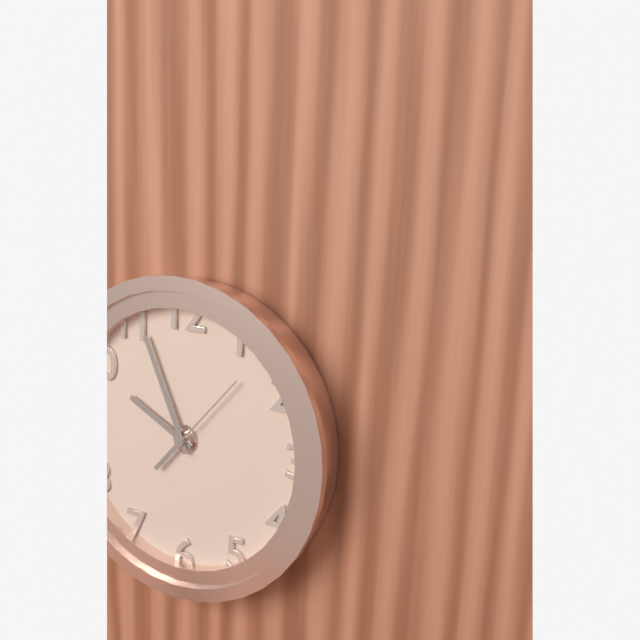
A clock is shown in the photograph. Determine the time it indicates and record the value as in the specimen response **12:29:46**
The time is **9:56:07**
